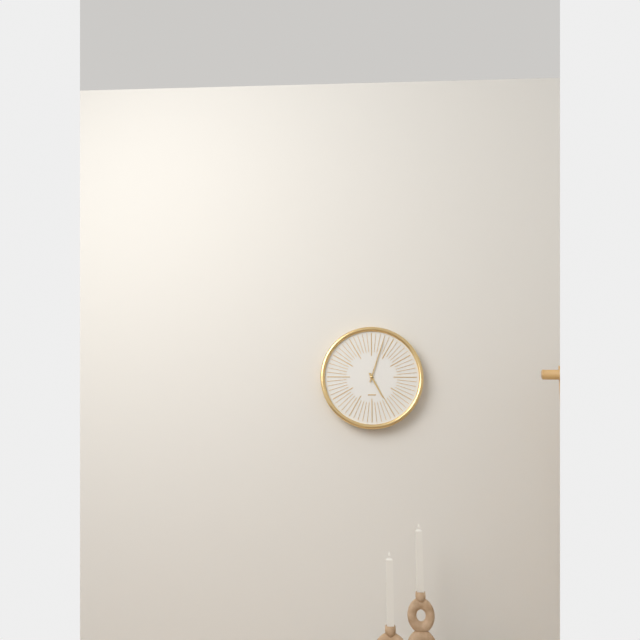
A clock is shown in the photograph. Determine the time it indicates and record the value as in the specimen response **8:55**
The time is **5:03**
